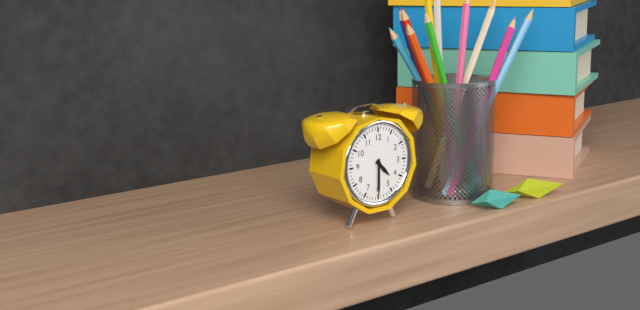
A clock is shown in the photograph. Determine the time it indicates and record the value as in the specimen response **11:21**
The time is **4:30**
